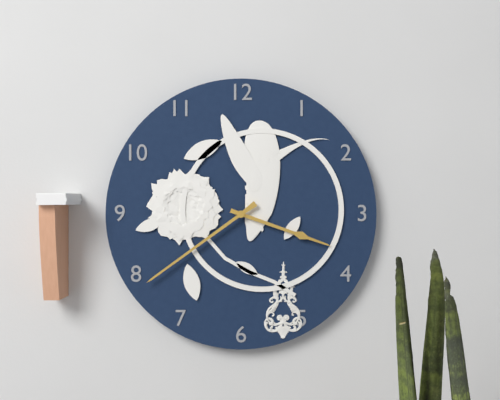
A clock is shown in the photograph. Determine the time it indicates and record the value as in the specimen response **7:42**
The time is **3:39**
